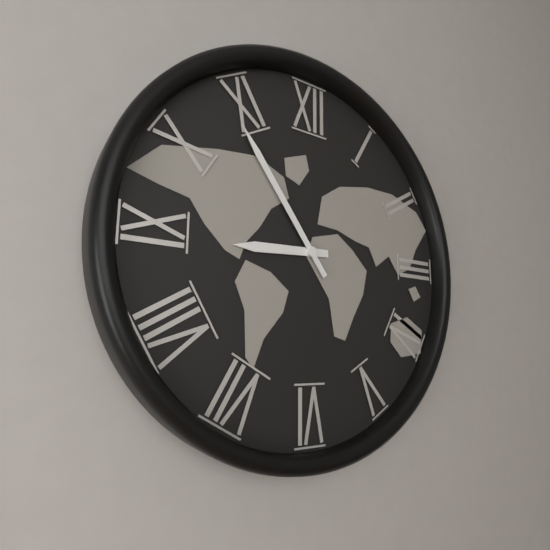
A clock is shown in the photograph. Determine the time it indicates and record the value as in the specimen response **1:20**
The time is **8:54**
